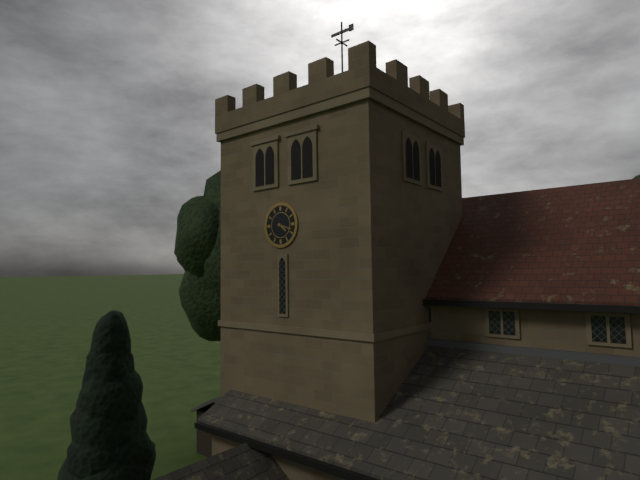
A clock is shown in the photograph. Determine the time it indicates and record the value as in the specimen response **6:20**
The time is **4:18**
